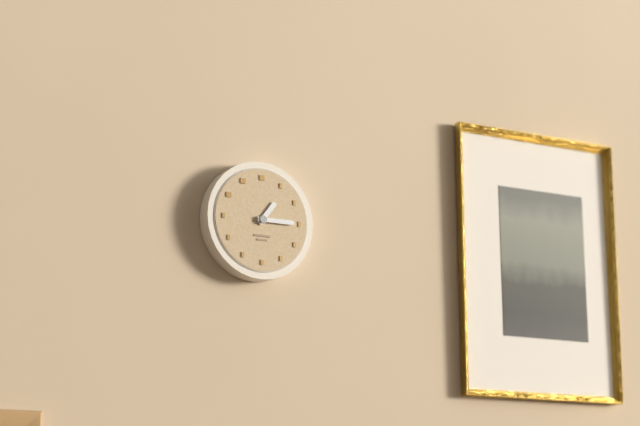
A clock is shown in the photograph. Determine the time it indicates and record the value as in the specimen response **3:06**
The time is **1:15**
